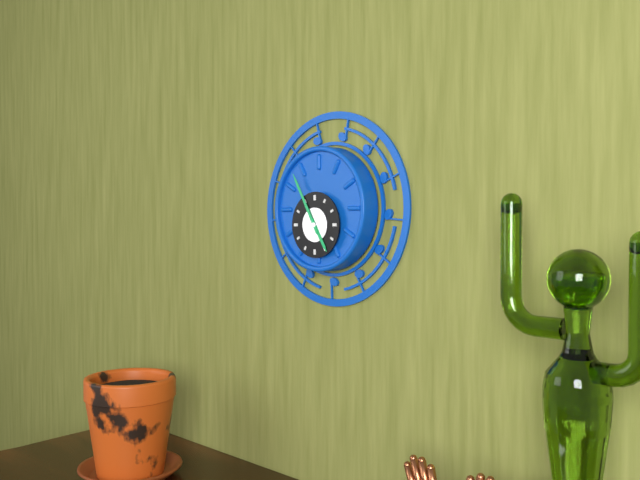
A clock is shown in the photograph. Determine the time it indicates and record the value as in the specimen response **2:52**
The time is **4:55**
